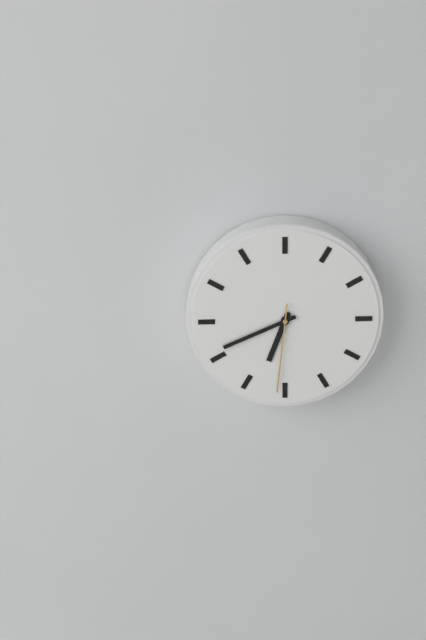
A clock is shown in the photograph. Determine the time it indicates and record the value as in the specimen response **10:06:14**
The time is **6:41:31**
